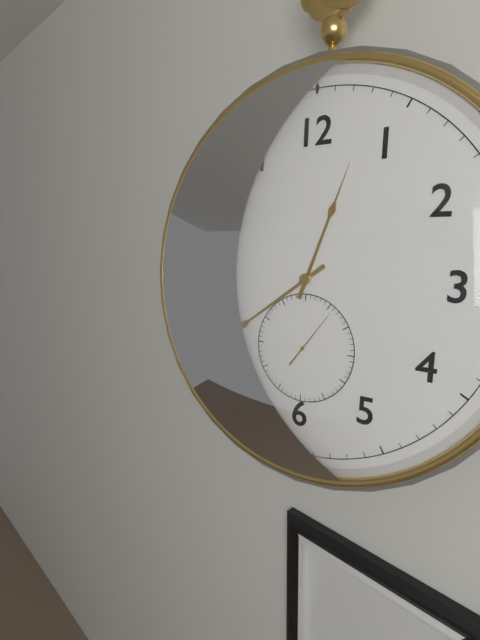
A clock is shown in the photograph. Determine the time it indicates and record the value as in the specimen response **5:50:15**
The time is **12:39:06**
